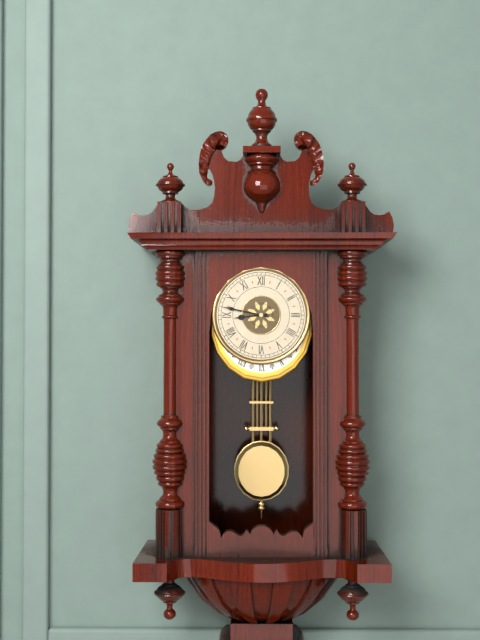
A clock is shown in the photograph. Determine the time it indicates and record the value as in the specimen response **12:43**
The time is **8:47**
